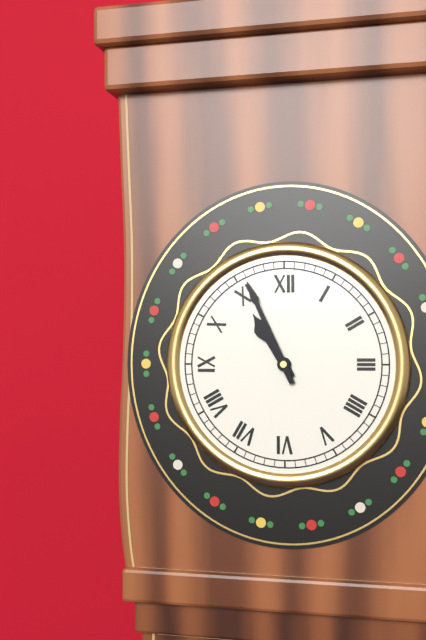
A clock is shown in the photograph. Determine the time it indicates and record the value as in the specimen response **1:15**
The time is **10:56**
